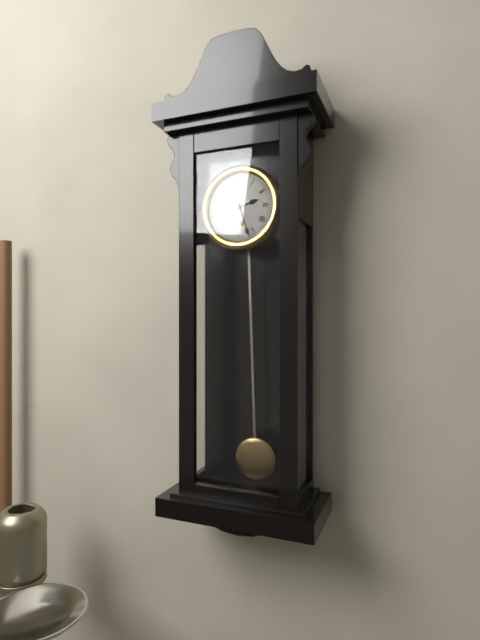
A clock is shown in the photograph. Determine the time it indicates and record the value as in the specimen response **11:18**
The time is **2:27**
